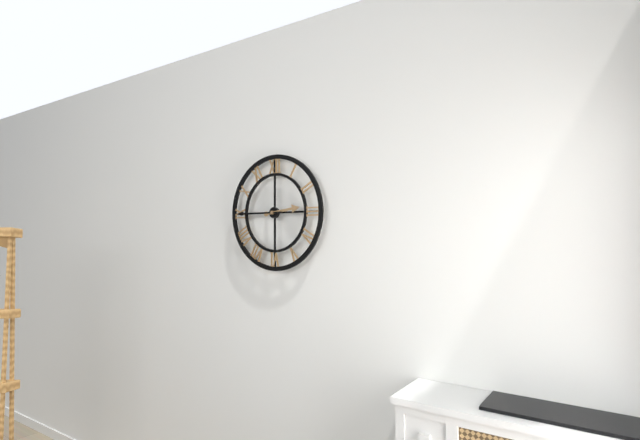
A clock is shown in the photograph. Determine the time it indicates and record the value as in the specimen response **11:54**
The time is **2:45**
